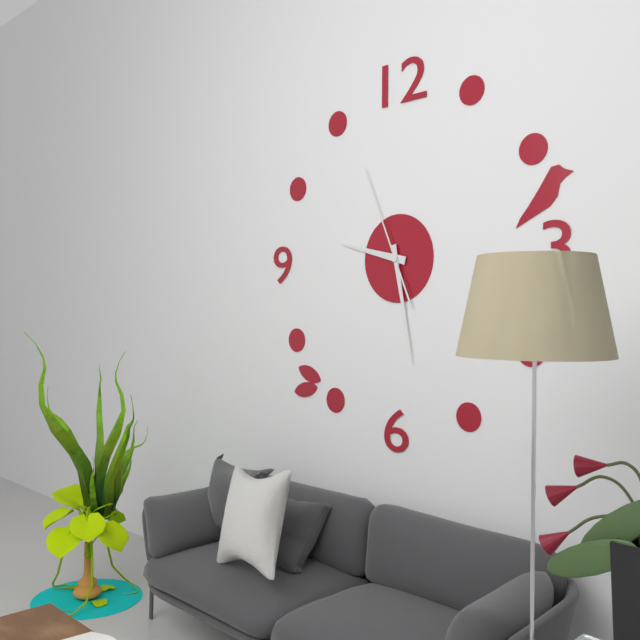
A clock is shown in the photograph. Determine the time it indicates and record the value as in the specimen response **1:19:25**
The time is **9:28:56**
